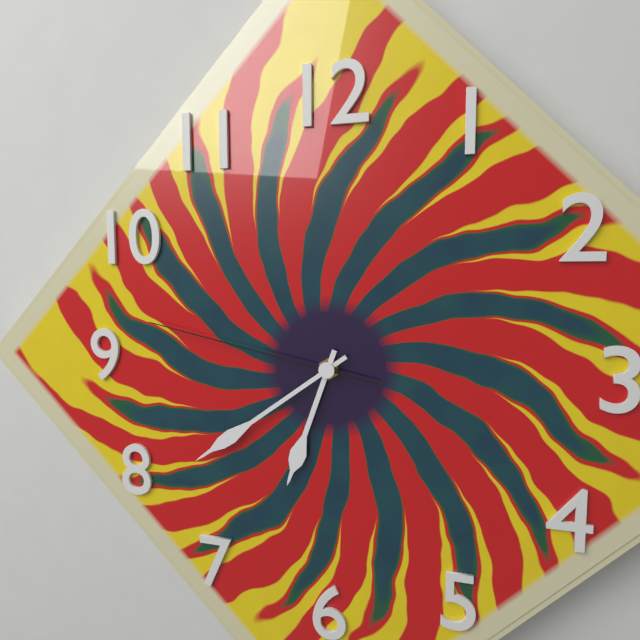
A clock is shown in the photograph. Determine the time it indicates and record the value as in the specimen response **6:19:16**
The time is **6:39:47**
